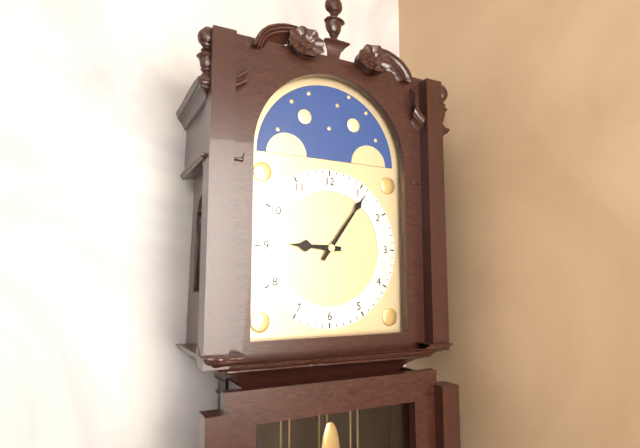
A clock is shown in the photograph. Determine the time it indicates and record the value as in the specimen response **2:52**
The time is **9:06**
